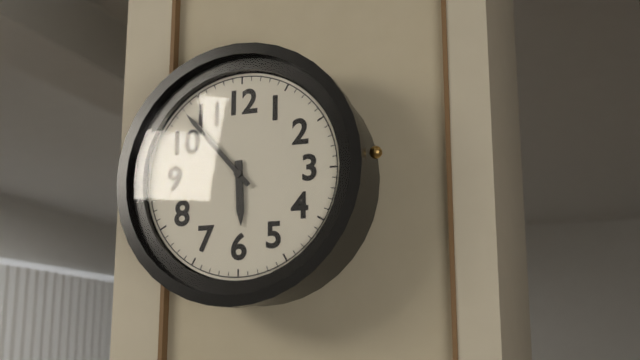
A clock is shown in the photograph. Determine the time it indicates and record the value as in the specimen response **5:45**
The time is **5:53**
